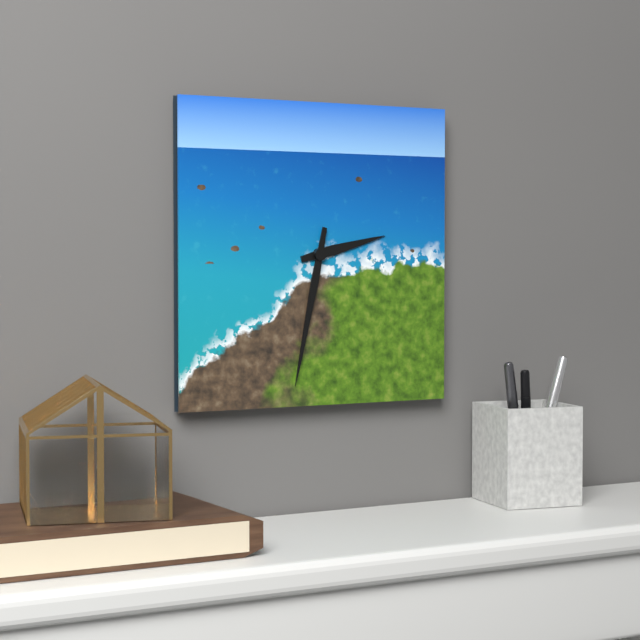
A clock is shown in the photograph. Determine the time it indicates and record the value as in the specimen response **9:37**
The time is **2:32**
